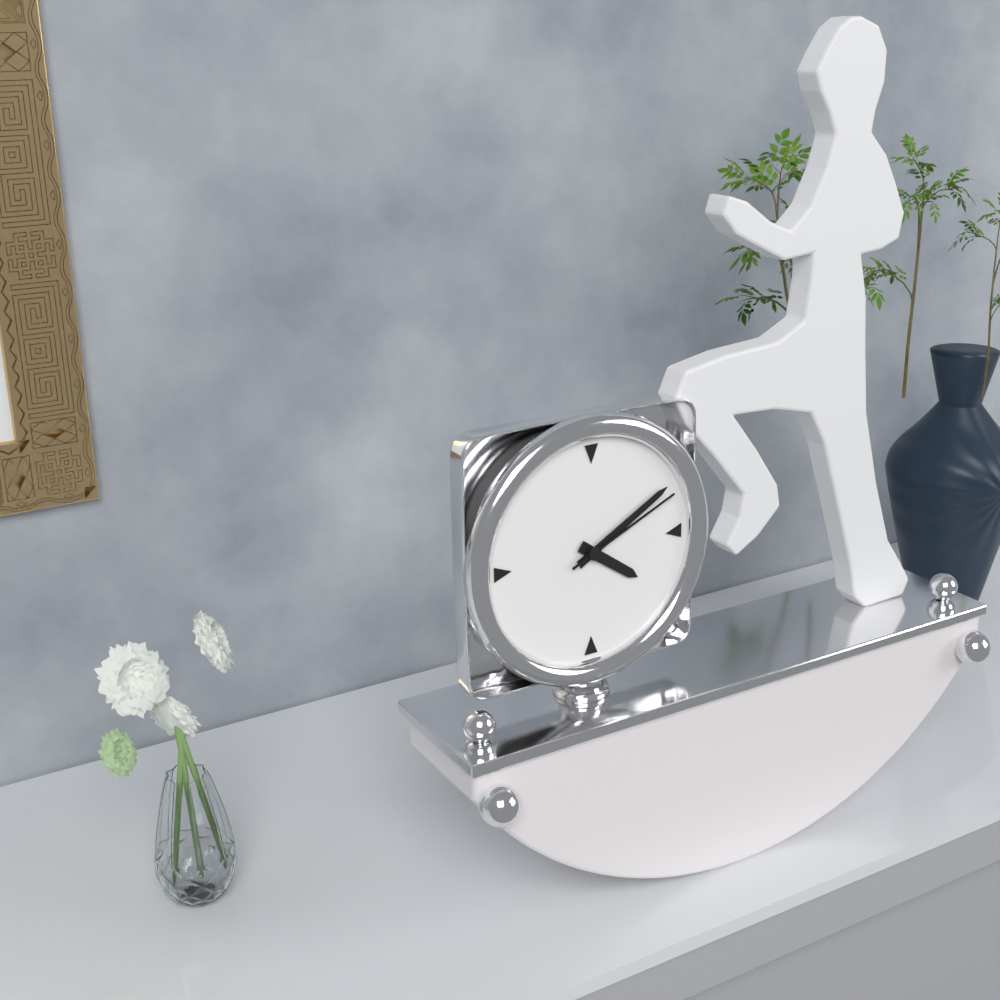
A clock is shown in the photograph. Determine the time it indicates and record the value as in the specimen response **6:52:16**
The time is **4:10:11**
